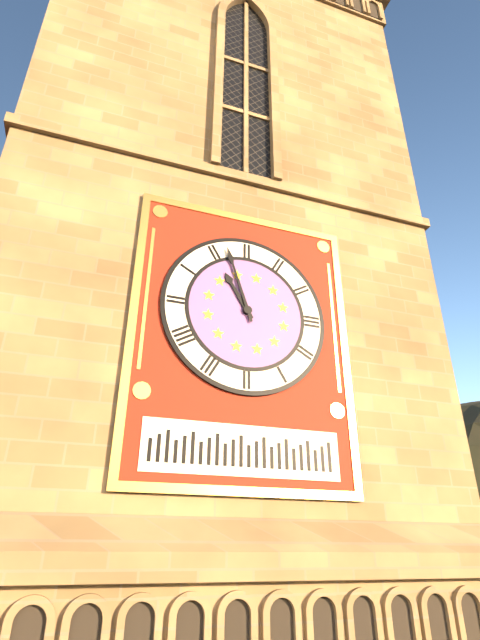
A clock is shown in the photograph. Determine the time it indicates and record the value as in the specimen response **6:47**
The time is **10:57**
